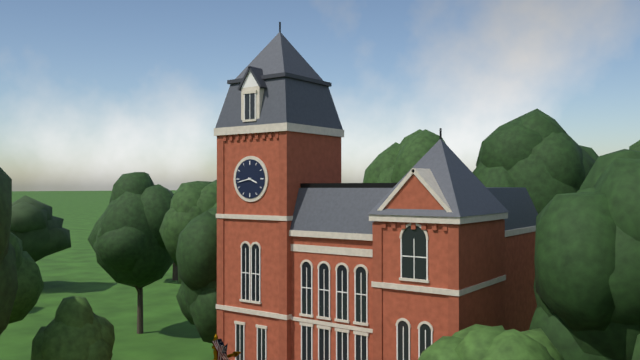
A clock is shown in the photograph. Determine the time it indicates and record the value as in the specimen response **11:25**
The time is **3:43**
